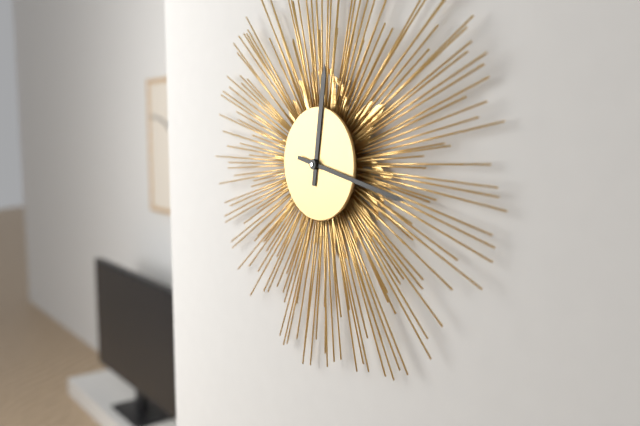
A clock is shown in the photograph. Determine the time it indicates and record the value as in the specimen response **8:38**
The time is **12:17**
